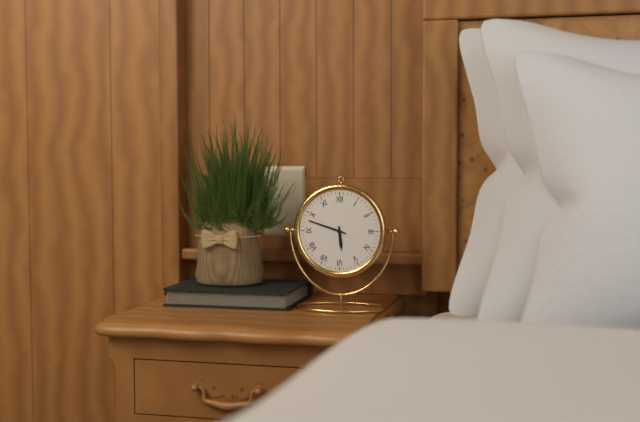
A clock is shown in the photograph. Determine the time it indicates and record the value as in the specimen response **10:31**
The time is **5:48**
